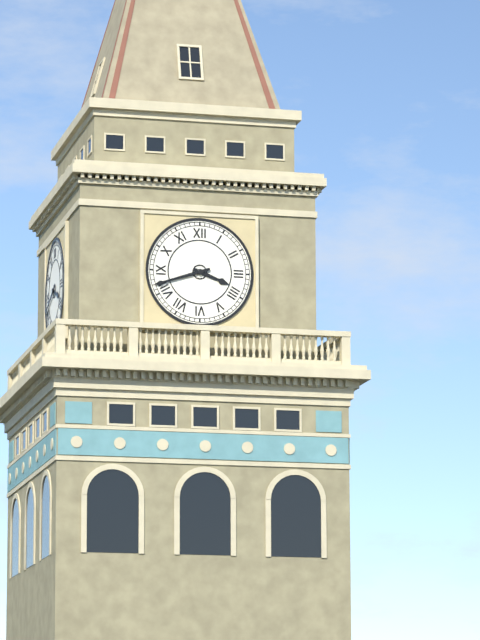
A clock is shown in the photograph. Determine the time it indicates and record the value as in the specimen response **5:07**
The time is **3:42**
